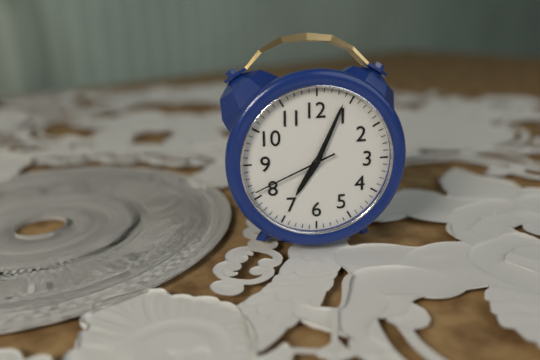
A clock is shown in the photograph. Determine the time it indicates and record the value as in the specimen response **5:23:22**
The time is **7:04:41**
